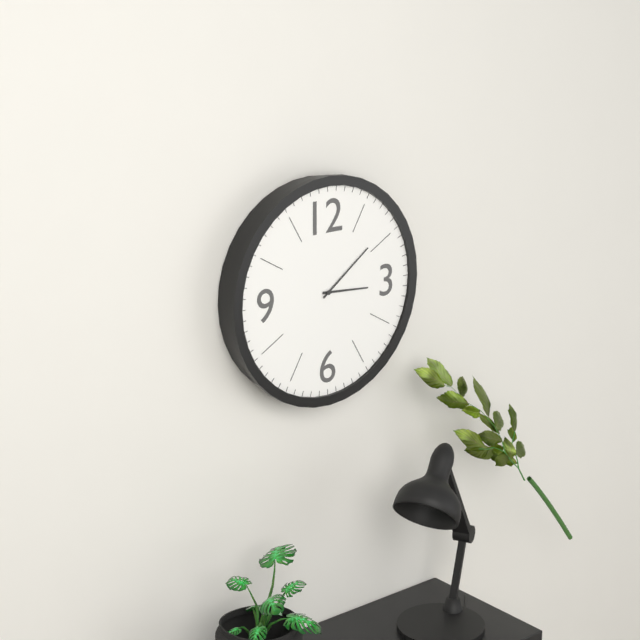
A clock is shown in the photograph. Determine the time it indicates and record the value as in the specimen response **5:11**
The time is **3:09**
